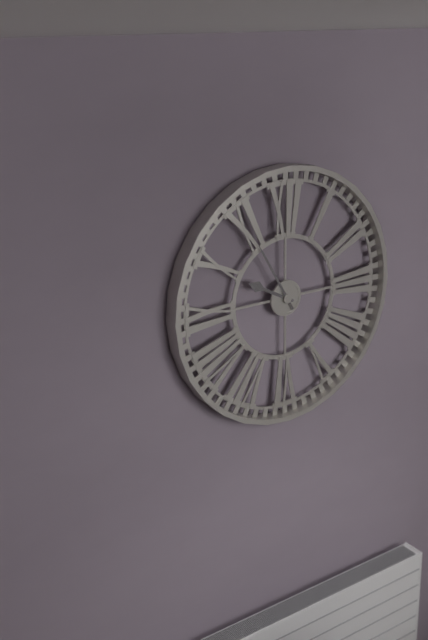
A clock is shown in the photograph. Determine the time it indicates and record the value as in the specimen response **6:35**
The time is **9:55**
